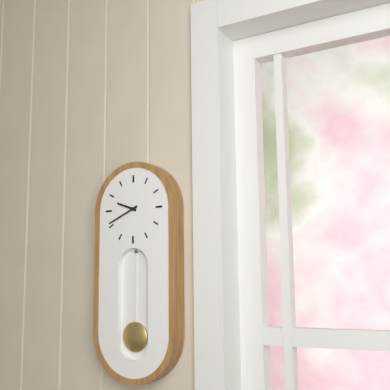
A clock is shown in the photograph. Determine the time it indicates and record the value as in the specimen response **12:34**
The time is **9:41**
